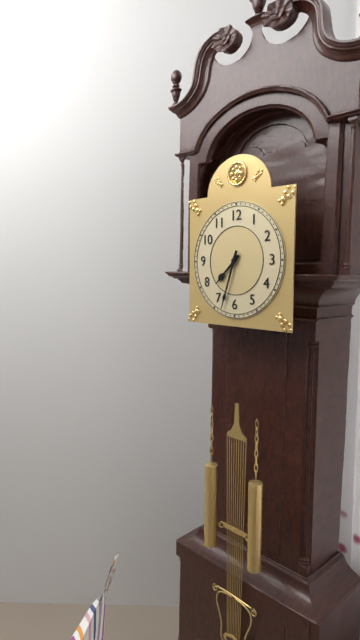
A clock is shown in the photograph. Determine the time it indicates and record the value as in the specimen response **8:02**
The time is **7:33**
